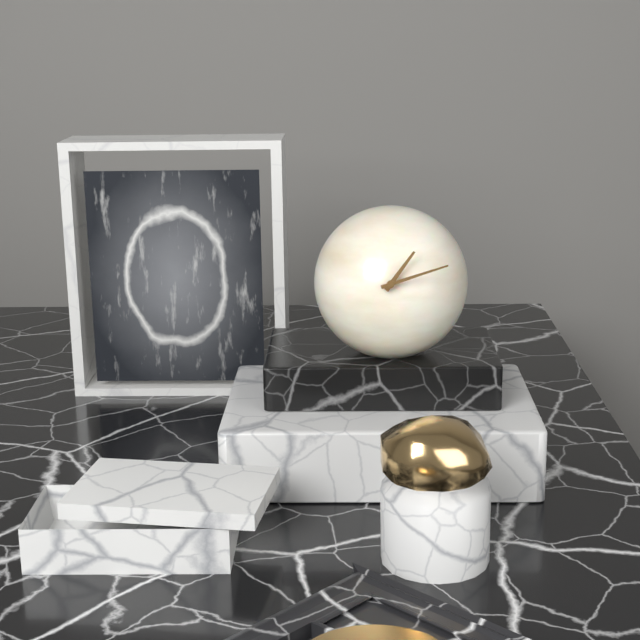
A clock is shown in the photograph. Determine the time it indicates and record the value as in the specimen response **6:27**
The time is **1:12**
